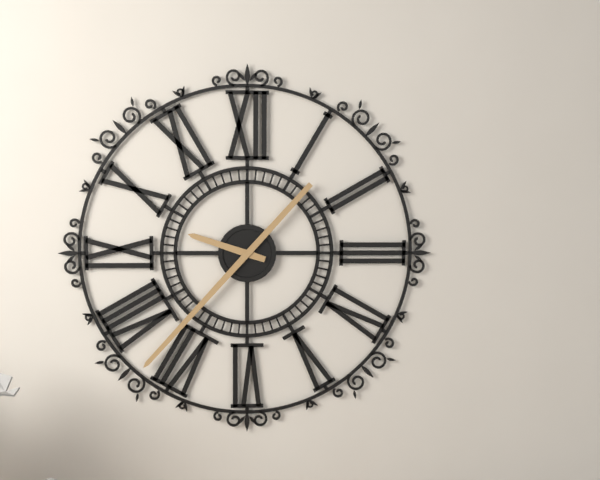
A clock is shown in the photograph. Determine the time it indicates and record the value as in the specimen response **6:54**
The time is **9:37**
